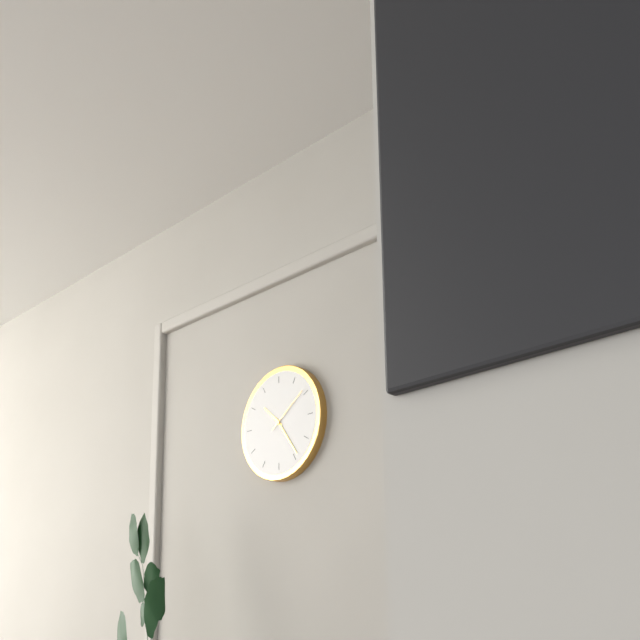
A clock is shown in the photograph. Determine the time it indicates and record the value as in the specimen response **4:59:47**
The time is **10:24:09**
